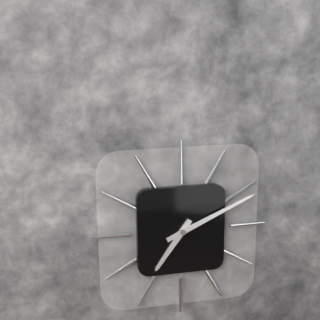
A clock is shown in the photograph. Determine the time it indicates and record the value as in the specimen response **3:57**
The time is **7:11**
